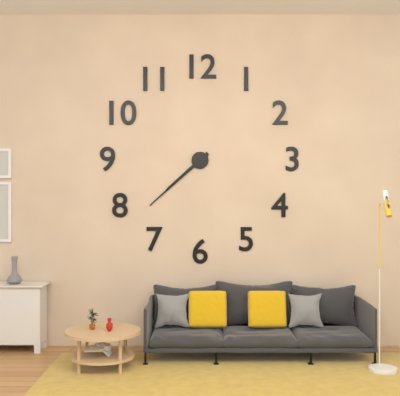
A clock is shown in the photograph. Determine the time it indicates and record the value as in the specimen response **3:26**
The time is **7:38**
